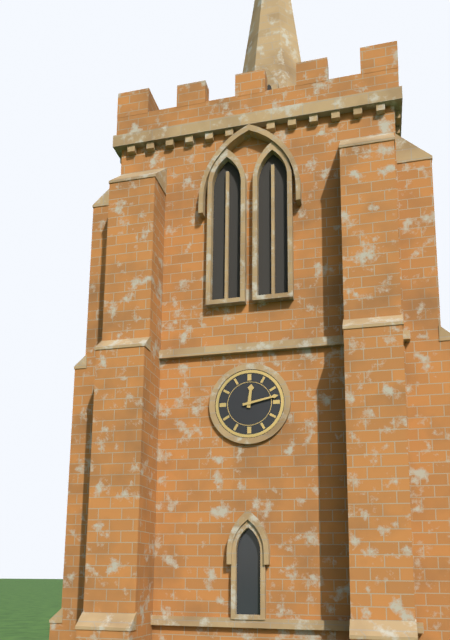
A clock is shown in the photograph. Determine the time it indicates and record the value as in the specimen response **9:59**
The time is **12:13**
